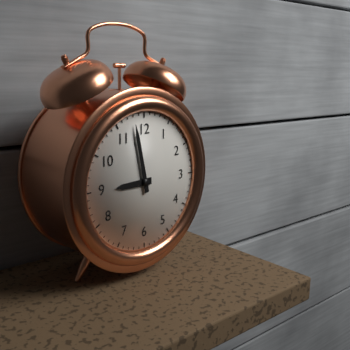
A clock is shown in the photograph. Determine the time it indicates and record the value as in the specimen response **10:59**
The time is **8:58**
